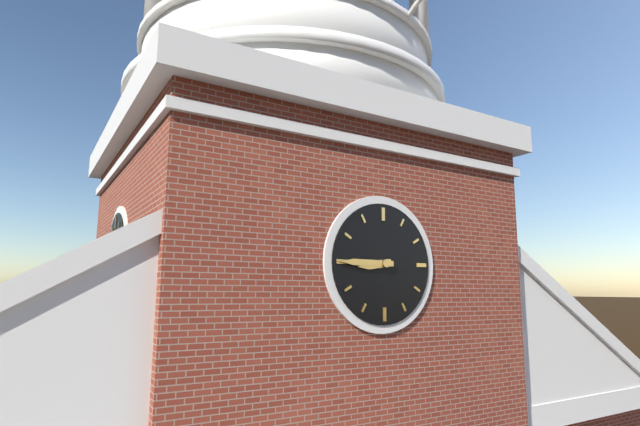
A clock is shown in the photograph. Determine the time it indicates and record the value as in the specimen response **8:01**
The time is **8:45**
